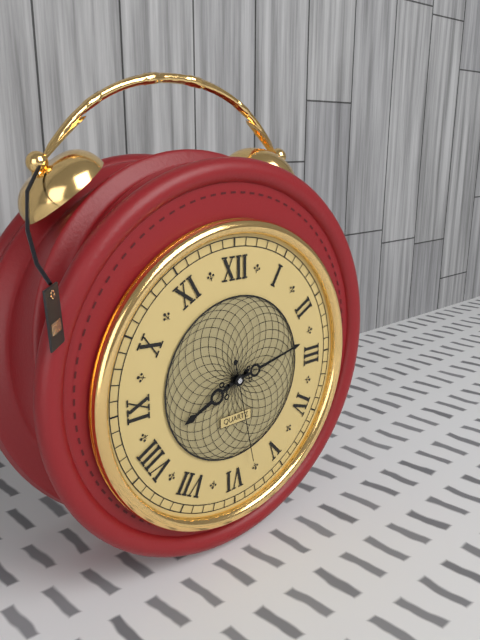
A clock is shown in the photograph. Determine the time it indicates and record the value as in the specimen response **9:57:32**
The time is **8:13:28**
